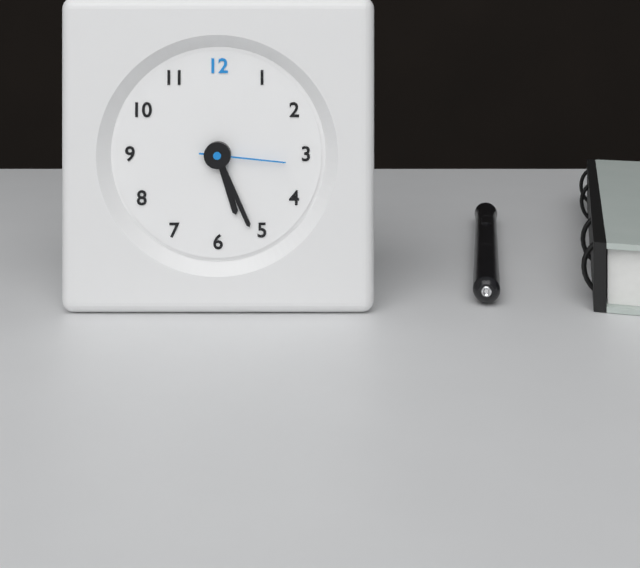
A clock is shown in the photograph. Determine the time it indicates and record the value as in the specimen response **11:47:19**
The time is **5:26:16**
